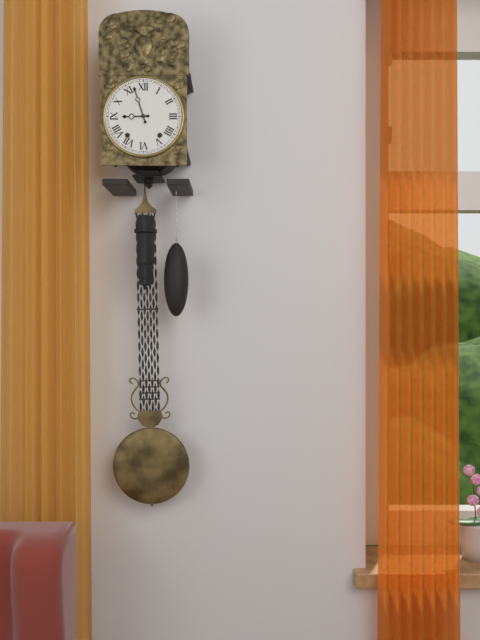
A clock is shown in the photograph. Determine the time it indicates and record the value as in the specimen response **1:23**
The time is **8:57**
